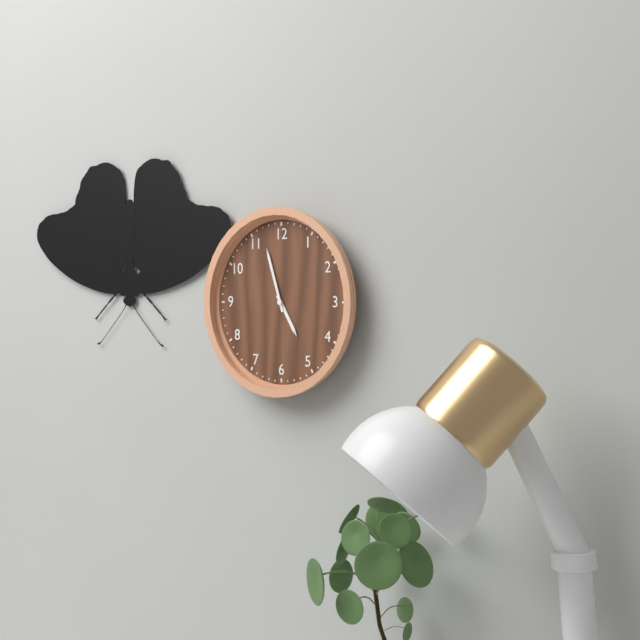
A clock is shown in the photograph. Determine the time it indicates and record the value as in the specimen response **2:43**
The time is **4:57**
